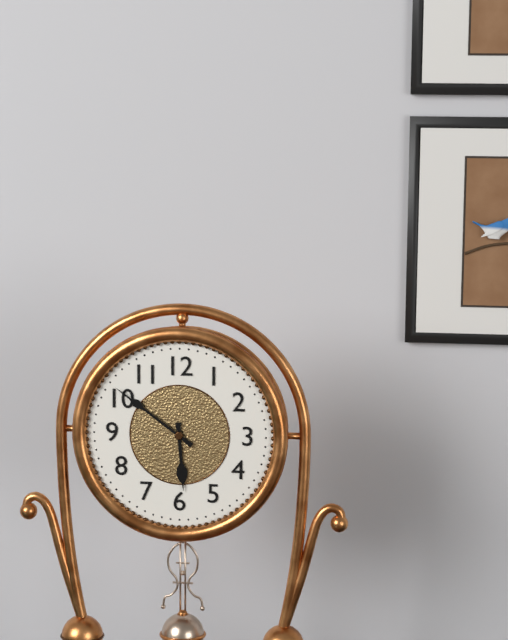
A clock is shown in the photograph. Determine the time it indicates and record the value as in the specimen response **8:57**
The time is **5:51**
